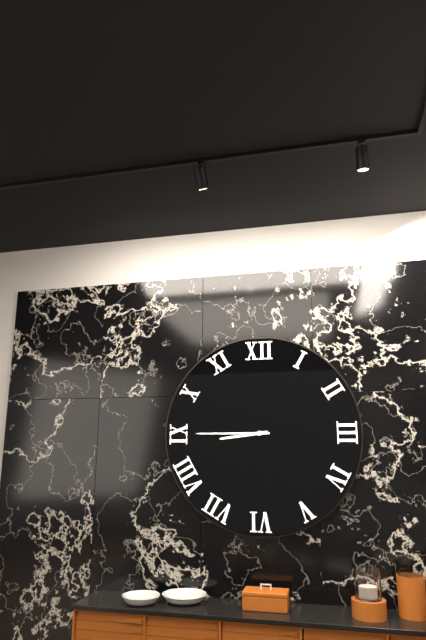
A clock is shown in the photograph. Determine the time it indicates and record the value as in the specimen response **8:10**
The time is **8:45**
